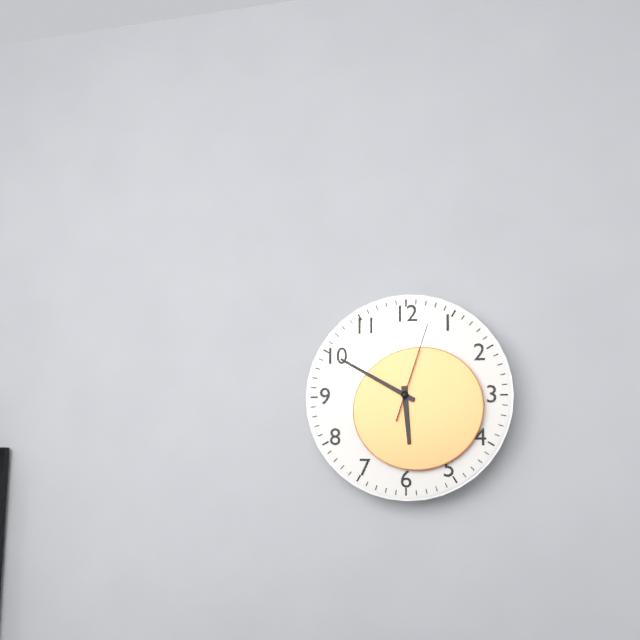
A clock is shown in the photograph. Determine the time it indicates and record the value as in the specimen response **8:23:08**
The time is **5:50:03**
